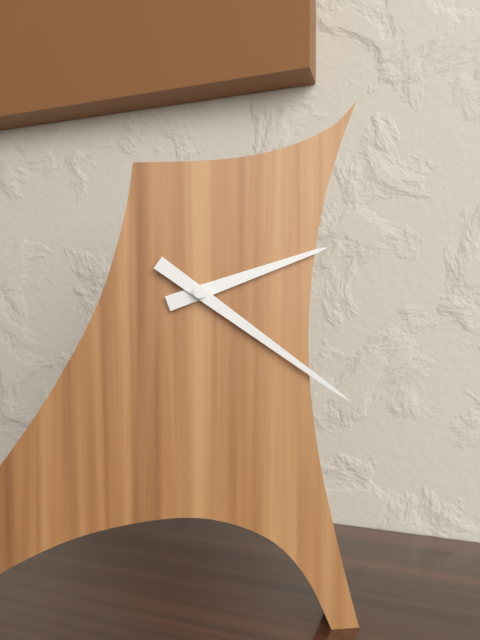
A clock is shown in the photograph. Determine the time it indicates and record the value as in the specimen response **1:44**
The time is **2:21**
